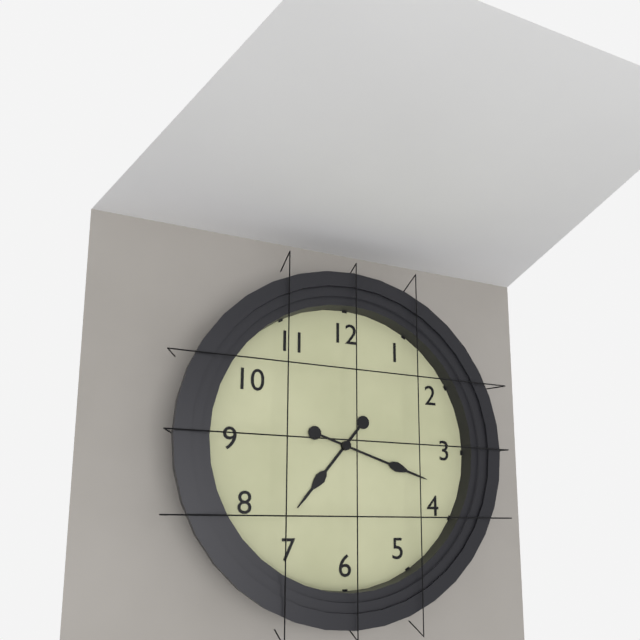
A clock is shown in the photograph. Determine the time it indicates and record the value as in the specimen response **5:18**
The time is **7:18**
